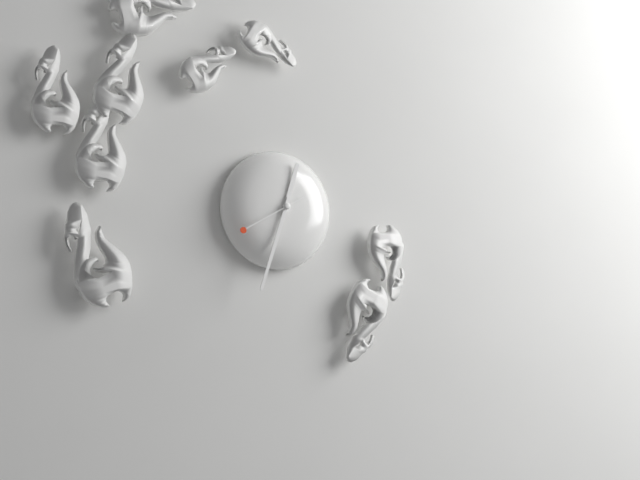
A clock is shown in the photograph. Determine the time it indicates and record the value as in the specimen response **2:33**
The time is **12:33**
